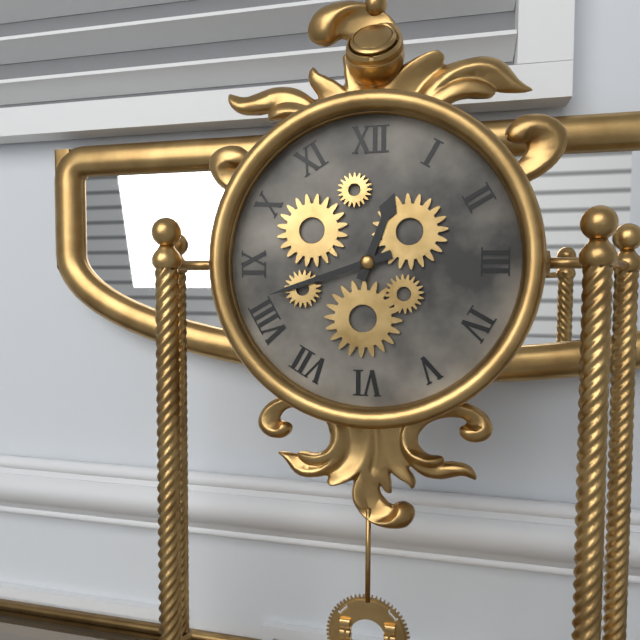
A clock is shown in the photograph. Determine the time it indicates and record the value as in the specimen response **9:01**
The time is **12:42**
